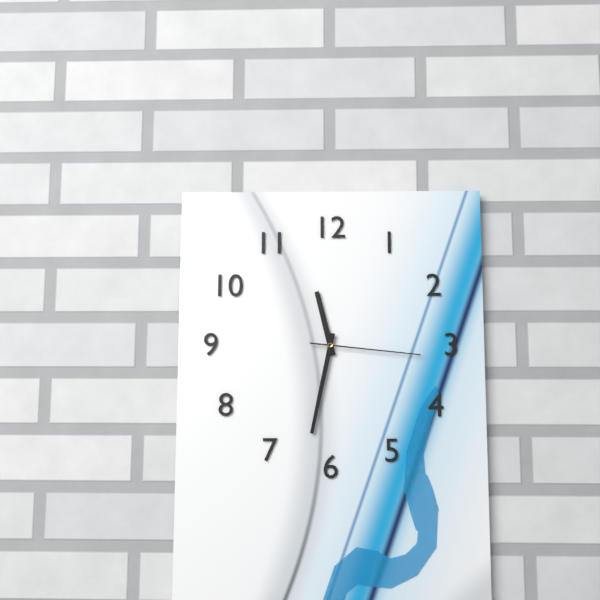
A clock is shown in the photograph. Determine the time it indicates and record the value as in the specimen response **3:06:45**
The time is **11:32:16**
